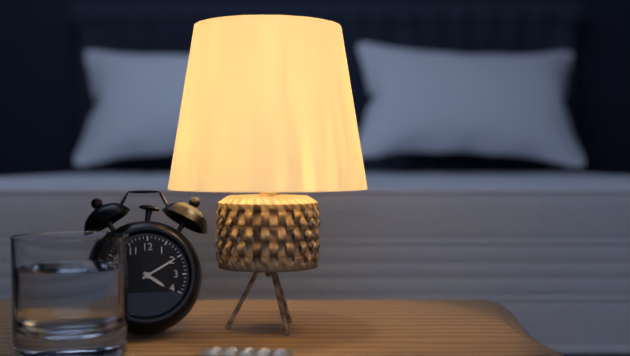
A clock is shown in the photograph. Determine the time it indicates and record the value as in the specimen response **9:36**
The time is **4:10**
